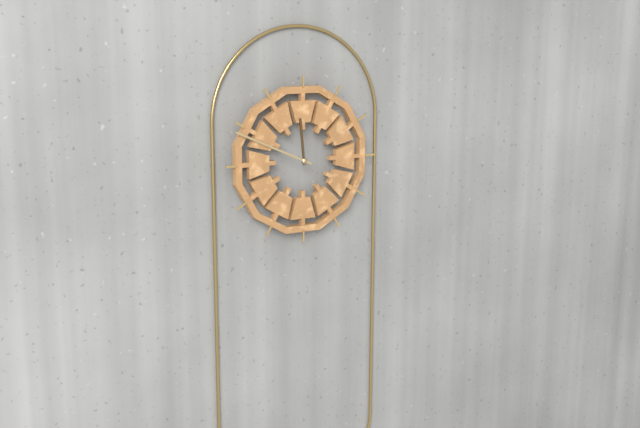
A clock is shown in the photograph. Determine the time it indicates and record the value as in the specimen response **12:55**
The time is **11:49**
